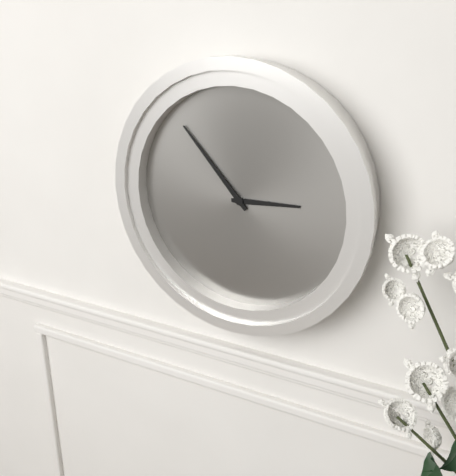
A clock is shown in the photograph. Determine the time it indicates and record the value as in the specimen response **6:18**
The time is **2:53**
